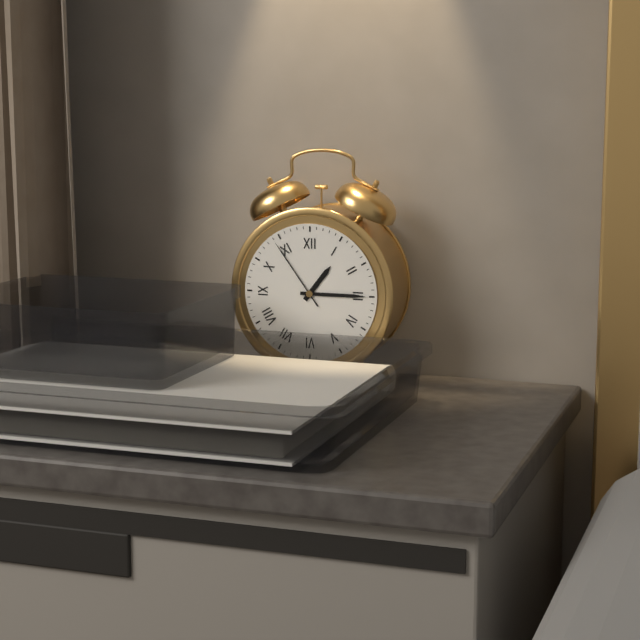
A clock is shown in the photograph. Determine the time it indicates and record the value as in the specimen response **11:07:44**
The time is **1:15:54**
